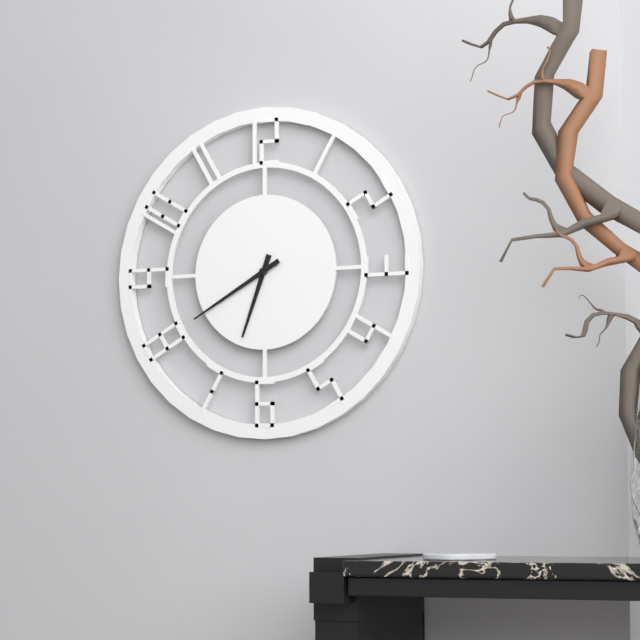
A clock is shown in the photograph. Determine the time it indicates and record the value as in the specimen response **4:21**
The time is **6:40**
